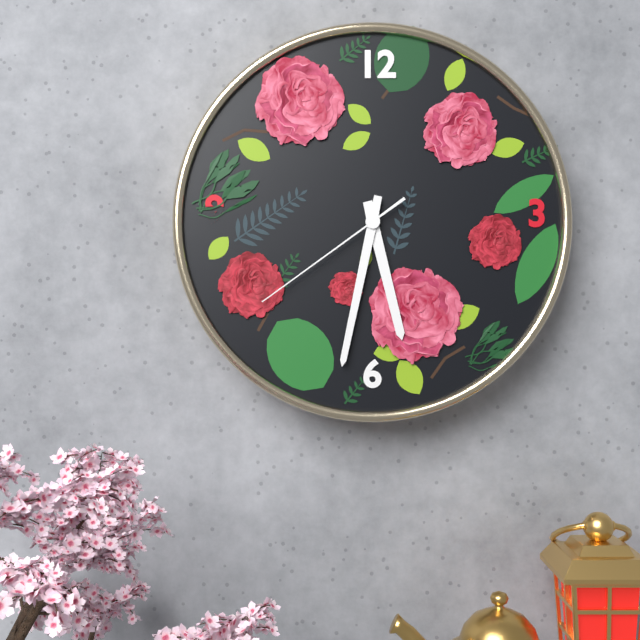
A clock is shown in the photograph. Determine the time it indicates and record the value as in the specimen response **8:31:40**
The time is **5:32:39**
